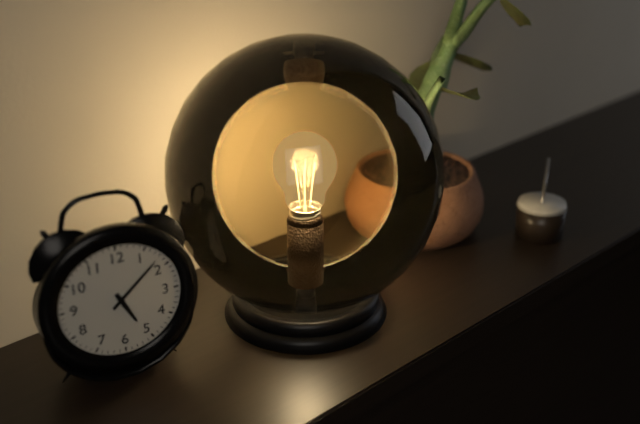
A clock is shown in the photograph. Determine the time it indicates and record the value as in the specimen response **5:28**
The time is **5:08**
